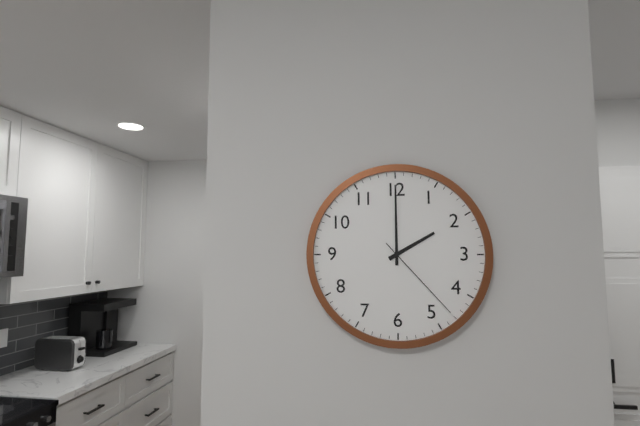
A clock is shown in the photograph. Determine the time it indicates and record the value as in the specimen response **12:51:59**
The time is **2:00:23**
